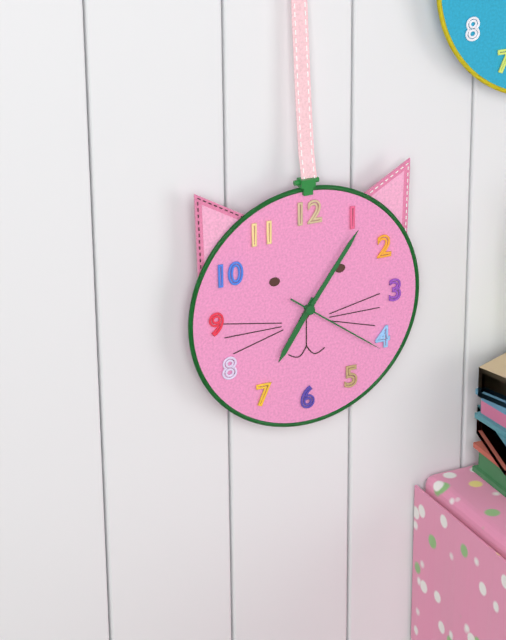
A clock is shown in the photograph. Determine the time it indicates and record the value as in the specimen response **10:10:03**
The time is **7:06:21**
